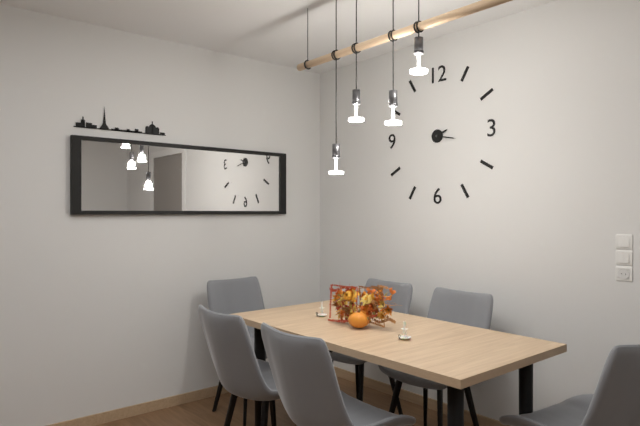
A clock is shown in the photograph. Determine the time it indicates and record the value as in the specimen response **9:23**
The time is **2:17**
